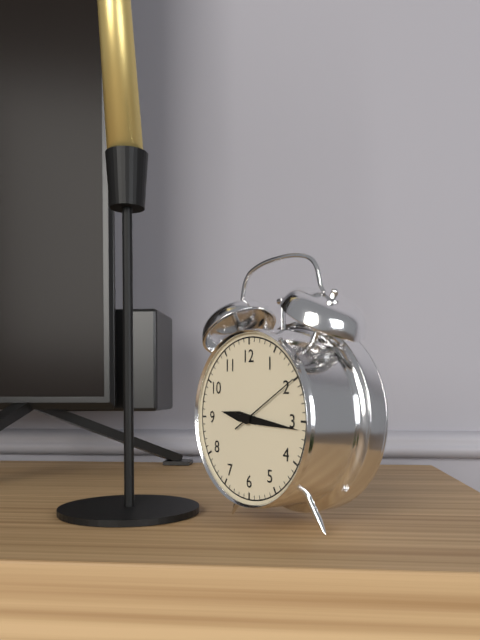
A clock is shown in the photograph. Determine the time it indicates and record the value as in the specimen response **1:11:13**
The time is **9:16:10**
